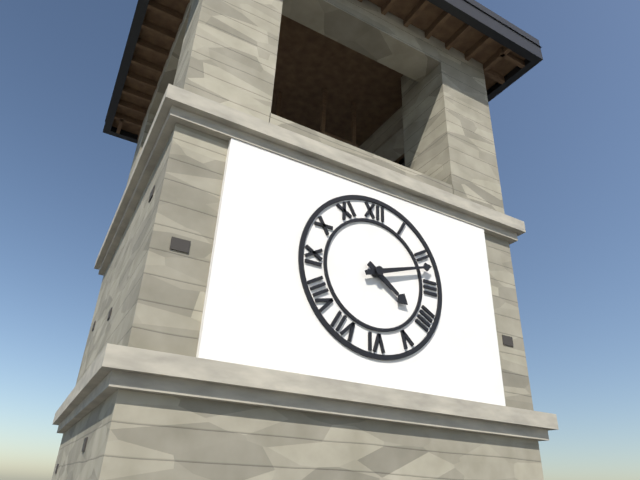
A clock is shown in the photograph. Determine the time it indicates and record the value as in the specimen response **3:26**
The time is **4:12**
